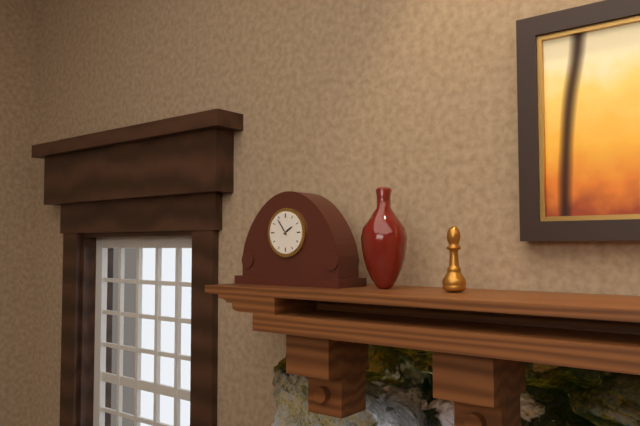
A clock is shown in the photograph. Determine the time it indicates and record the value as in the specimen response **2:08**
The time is **1:54**
